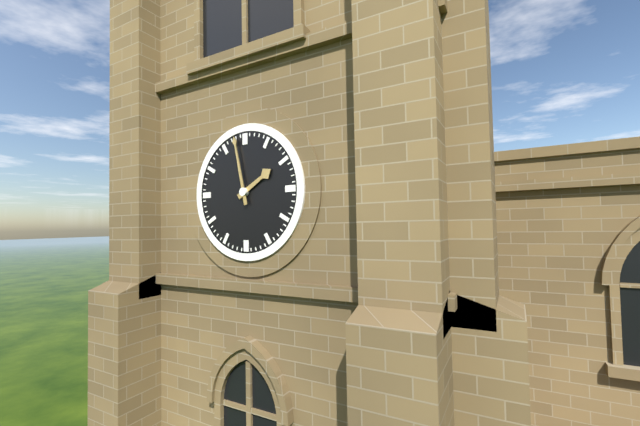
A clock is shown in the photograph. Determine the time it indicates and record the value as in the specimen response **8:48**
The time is **1:58**
